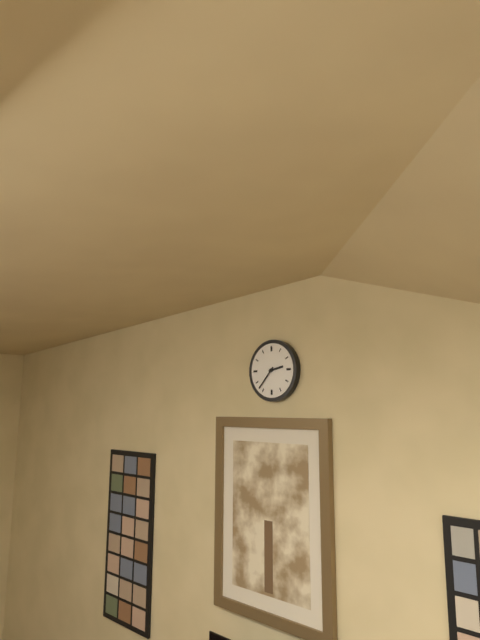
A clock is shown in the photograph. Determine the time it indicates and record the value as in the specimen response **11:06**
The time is **2:37**
